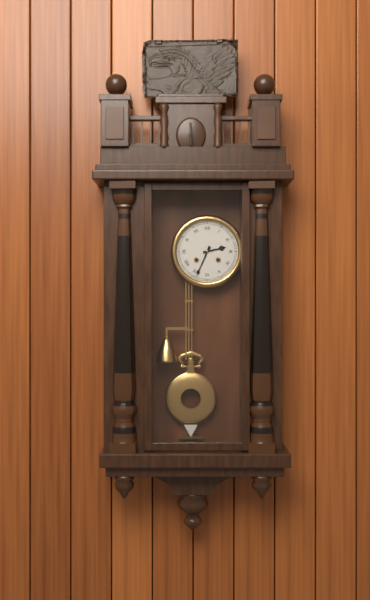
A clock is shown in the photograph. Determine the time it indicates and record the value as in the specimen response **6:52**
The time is **2:34**
